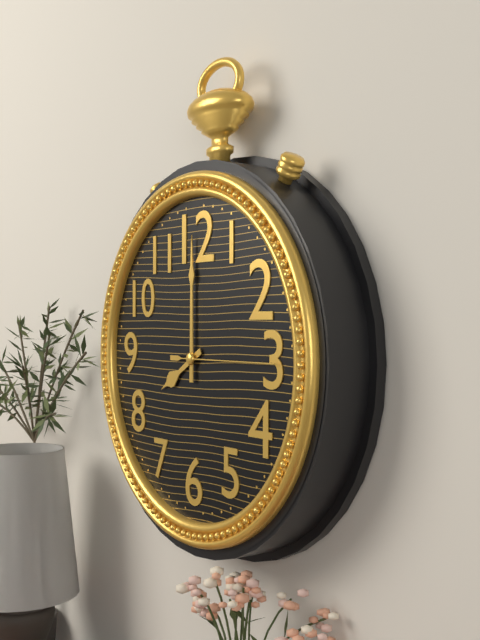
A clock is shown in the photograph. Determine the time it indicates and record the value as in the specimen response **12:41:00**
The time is **8:00:15**
